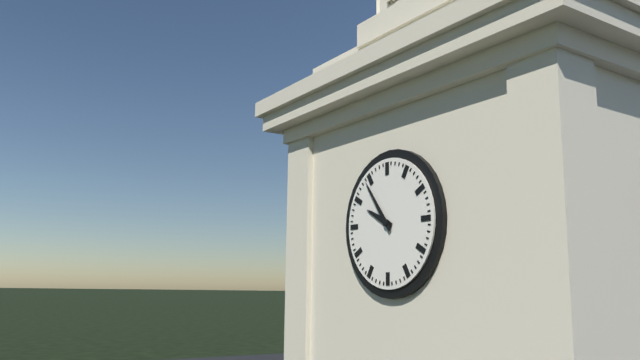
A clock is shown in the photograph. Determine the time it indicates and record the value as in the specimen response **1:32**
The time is **9:54**
